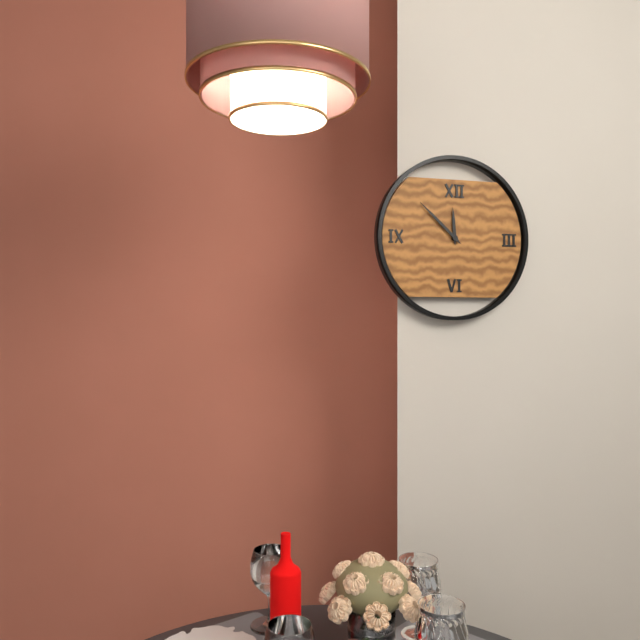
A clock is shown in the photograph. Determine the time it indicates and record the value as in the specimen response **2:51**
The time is **11:52**
